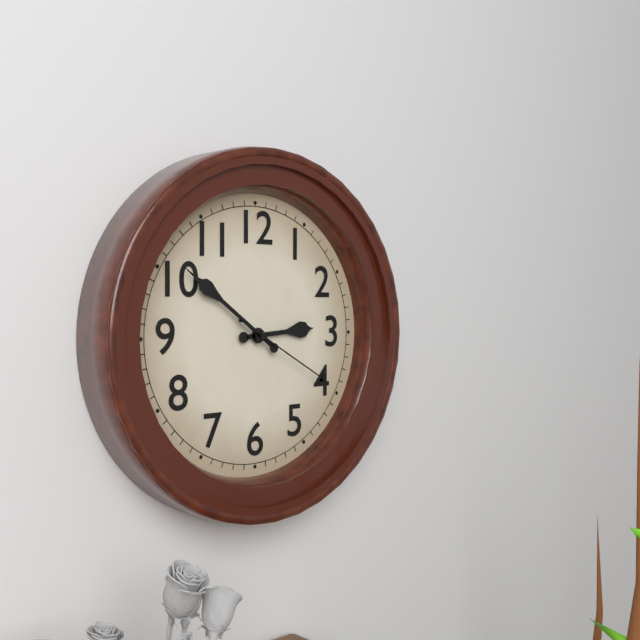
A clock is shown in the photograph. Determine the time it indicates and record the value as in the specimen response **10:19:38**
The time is **2:51:20**
